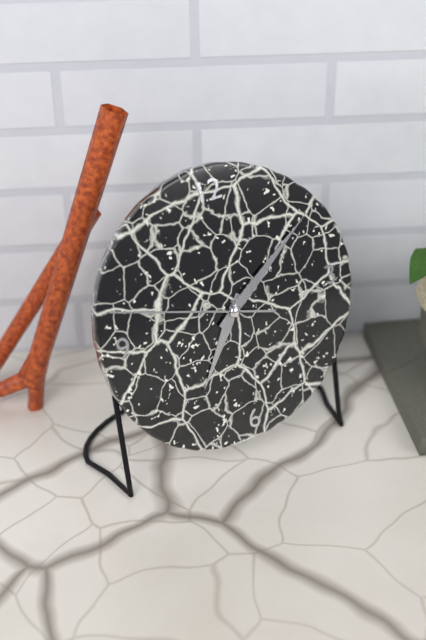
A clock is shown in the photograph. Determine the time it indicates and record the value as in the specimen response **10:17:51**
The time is **7:09:48**
